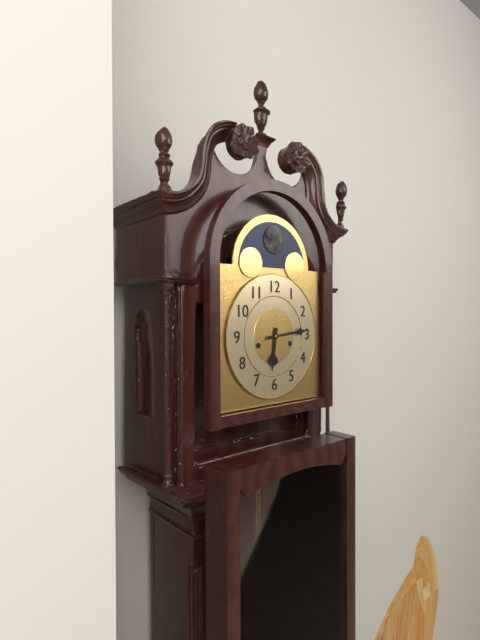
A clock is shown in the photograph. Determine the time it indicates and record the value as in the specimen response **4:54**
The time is **6:14**
